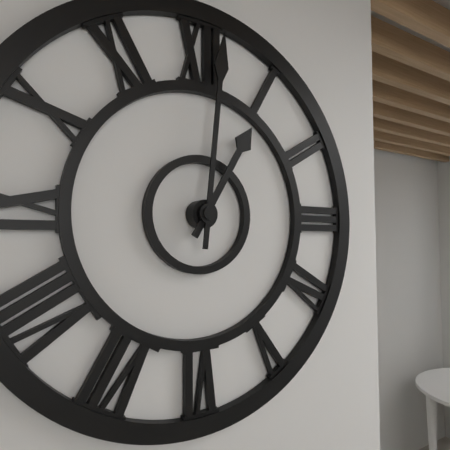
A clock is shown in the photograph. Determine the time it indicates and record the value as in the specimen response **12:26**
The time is **1:01**
